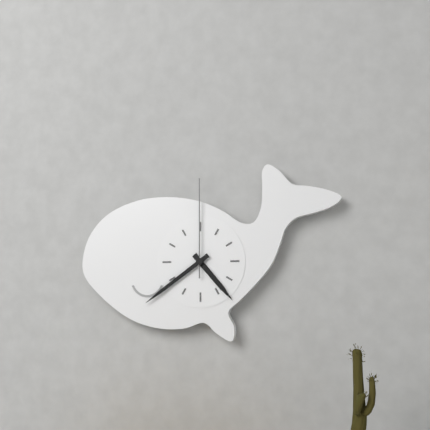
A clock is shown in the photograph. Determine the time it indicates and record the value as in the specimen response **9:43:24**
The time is **4:39:00**
